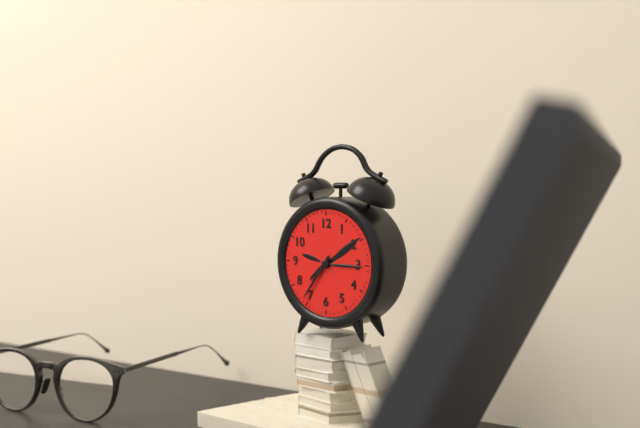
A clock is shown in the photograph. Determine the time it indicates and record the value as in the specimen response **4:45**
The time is **7:36**
